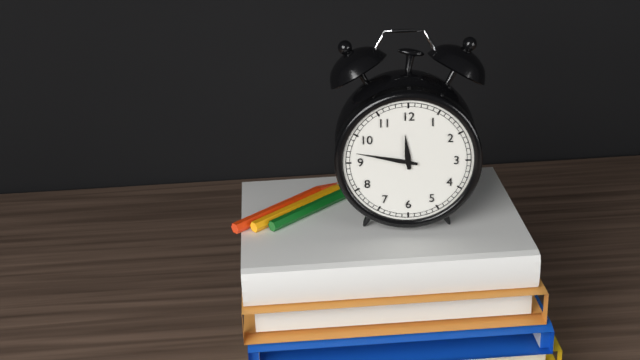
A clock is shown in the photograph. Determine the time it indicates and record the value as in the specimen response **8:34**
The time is **11:47**
